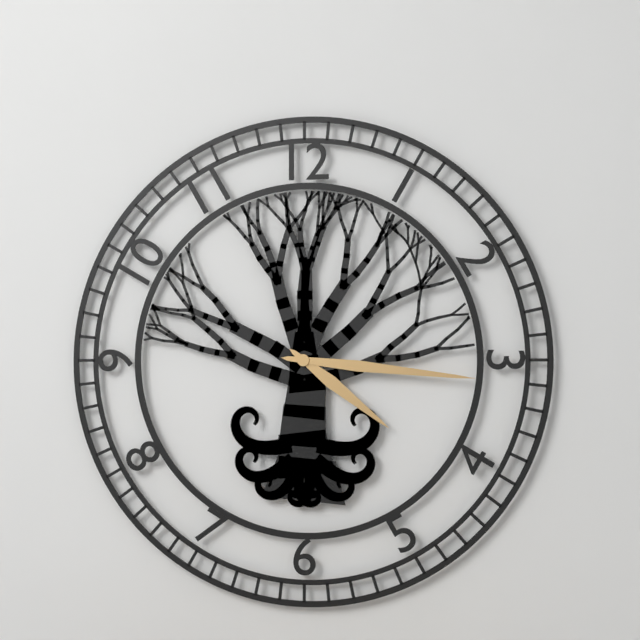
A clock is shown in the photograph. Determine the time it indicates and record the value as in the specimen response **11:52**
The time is **4:16**
